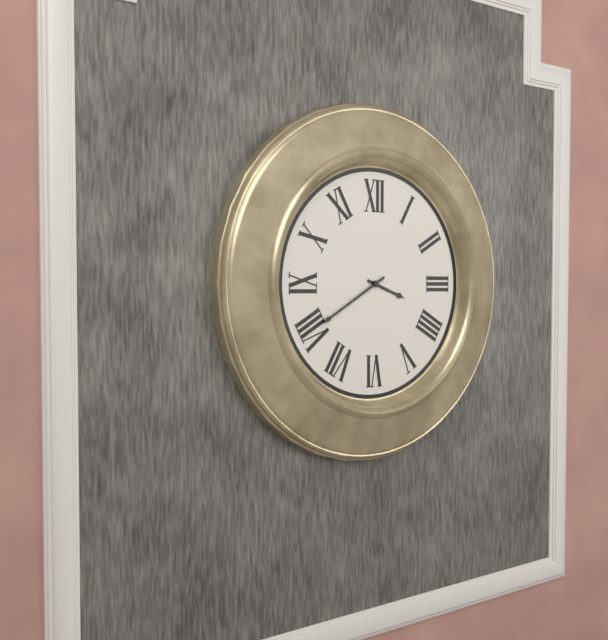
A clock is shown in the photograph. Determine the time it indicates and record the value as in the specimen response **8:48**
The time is **3:40**
